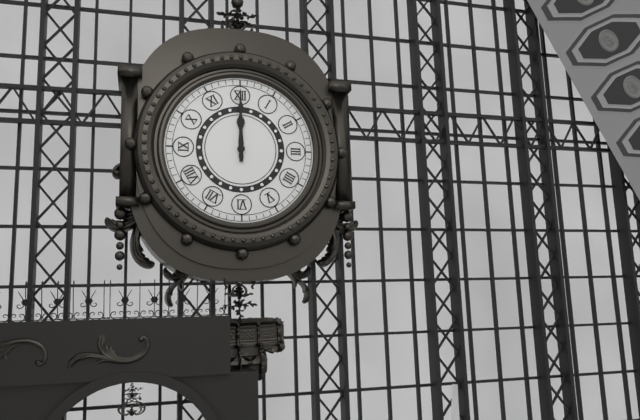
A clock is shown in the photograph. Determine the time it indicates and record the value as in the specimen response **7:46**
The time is **12:00**
